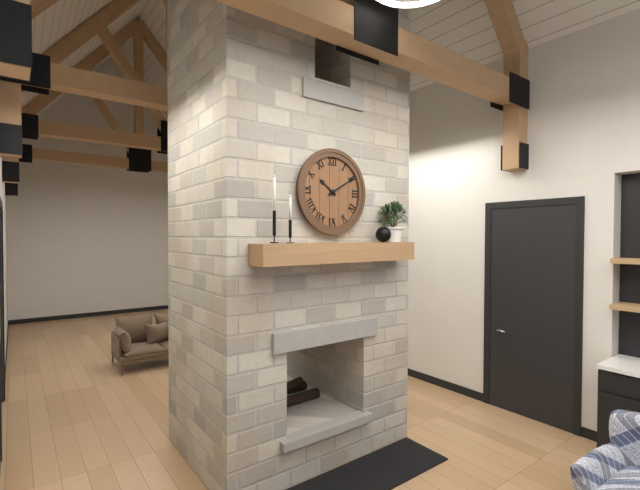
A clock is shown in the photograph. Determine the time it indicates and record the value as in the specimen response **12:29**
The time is **10:10**
